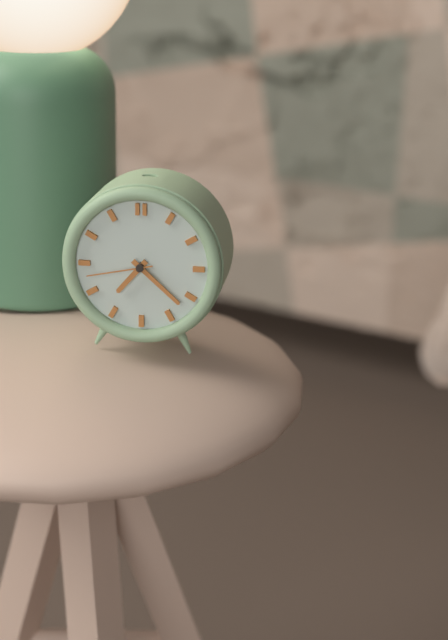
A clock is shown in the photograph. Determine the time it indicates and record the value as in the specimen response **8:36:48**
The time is **7:22:43**
